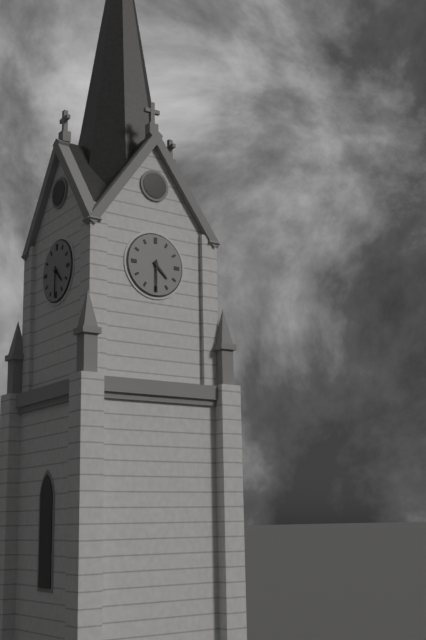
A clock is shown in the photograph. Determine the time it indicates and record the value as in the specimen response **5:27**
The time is **4:30**
